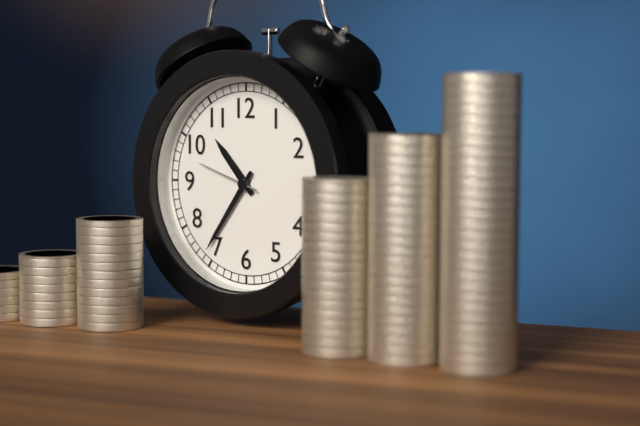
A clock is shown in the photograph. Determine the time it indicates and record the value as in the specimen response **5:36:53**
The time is **10:36:48**
